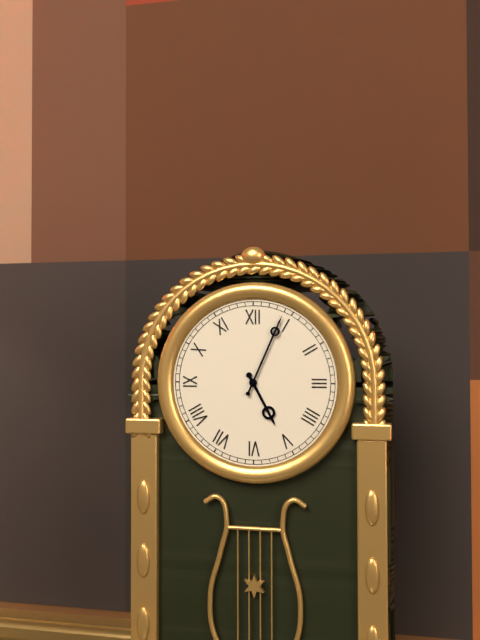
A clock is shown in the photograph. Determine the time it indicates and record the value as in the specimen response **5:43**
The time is **5:04**
